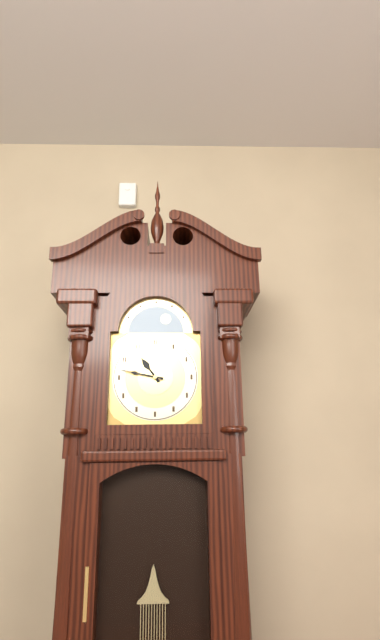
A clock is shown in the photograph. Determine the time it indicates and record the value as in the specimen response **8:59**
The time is **10:47**
